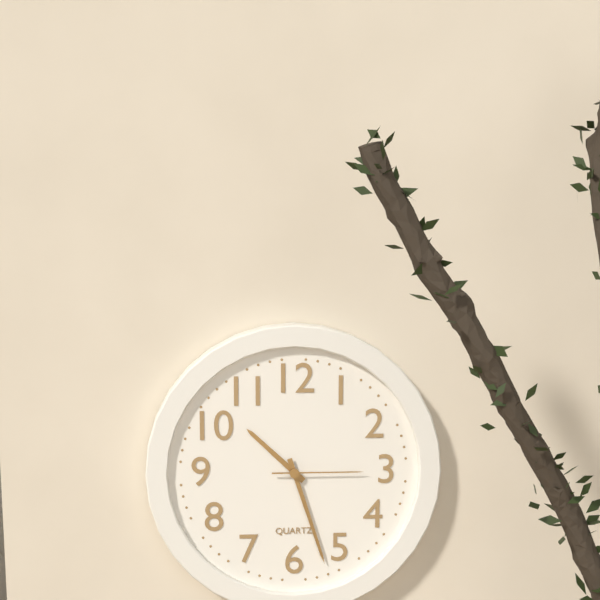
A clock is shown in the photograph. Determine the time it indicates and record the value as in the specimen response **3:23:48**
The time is **10:27:15**
